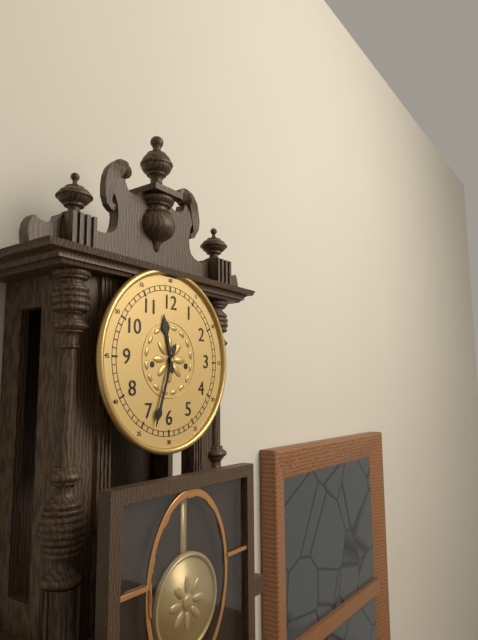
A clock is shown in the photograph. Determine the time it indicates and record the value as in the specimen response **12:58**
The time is **11:33**
